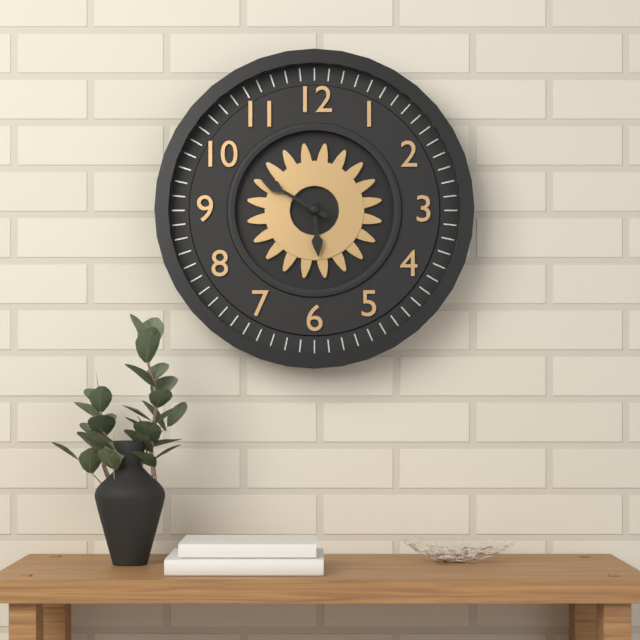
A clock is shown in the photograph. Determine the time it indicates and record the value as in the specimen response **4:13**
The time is **5:50**
